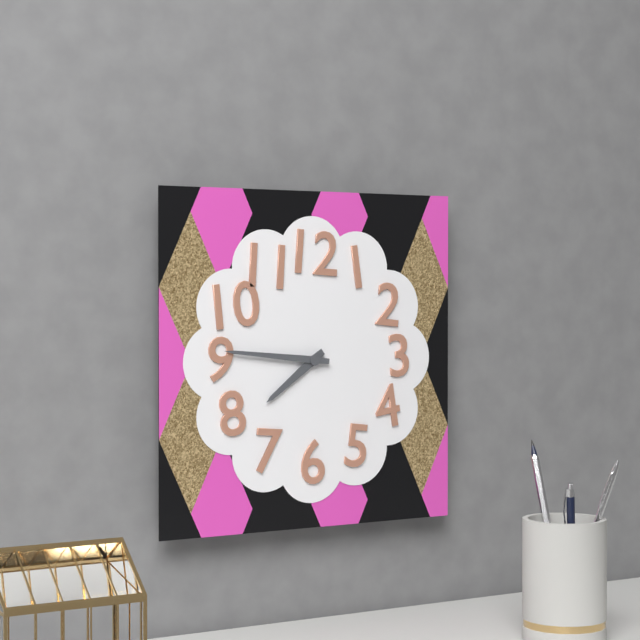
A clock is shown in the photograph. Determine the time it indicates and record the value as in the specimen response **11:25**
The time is **7:46**
